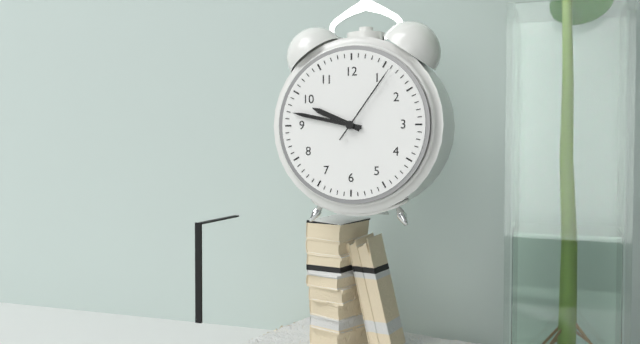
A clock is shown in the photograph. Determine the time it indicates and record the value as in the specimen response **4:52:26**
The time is **9:47:06**
